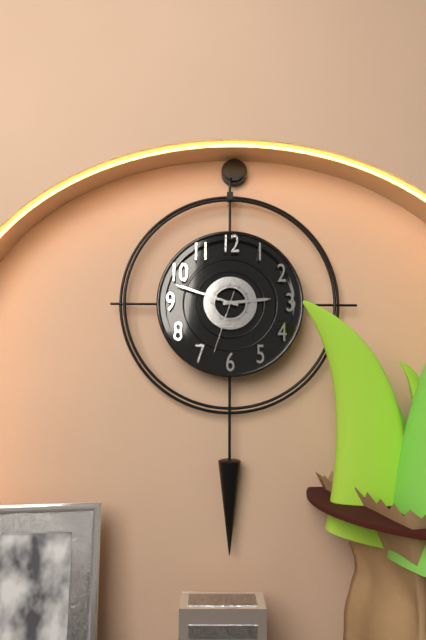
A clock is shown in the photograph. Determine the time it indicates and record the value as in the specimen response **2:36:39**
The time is **2:48:33**
